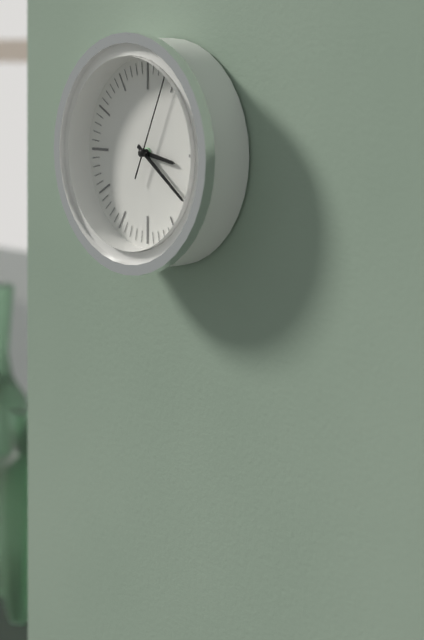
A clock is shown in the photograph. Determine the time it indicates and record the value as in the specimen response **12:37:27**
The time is **3:21:04**
